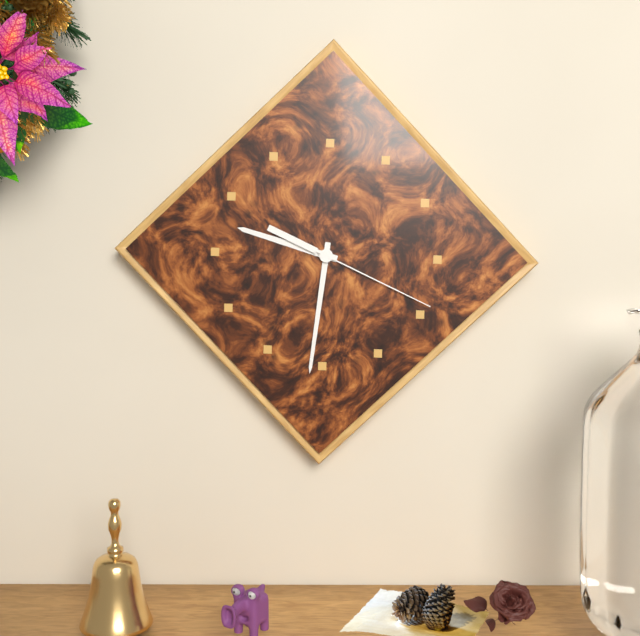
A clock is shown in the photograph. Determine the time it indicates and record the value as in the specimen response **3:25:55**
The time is **9:31:19**
